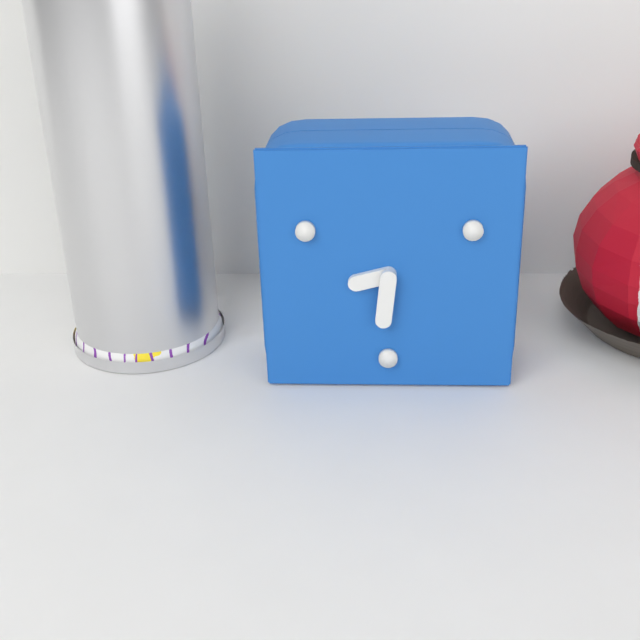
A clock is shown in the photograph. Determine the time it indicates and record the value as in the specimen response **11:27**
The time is **8:31**
